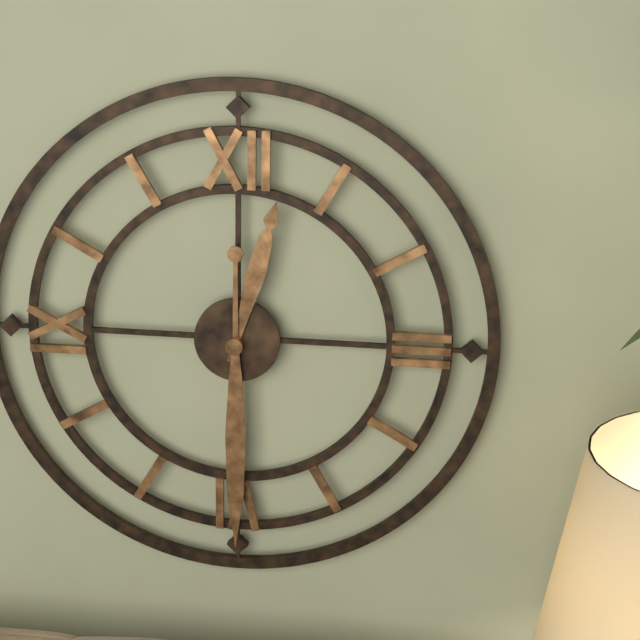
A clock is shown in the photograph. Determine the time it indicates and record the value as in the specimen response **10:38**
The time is **12:30**
